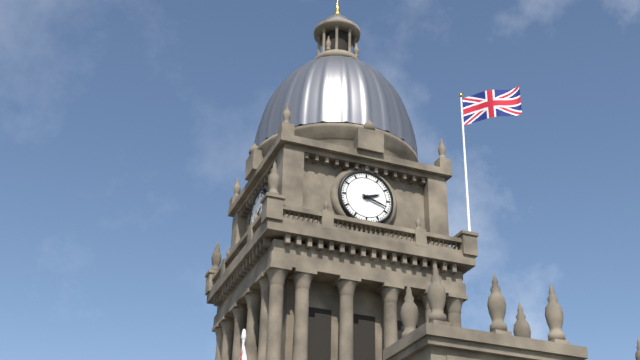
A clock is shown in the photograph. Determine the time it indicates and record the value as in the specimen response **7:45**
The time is **2:18**
